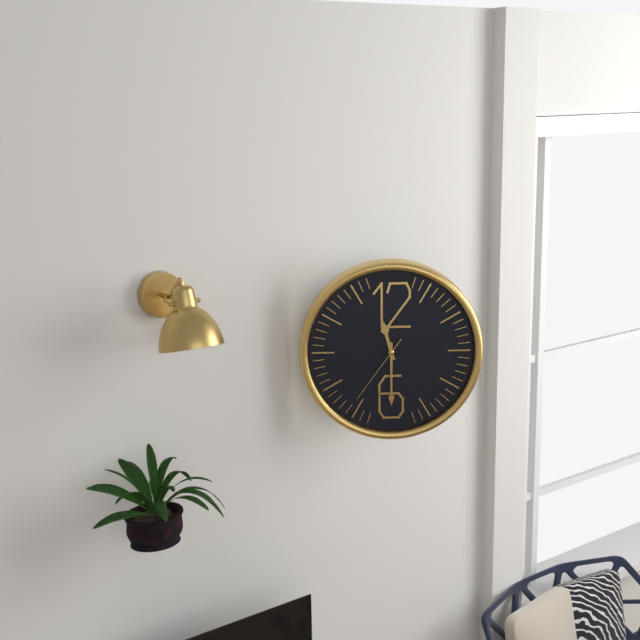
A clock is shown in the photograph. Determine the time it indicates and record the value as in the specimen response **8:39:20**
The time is **11:30:36**
